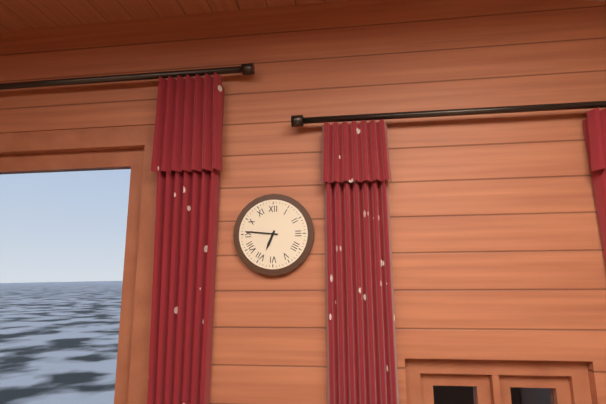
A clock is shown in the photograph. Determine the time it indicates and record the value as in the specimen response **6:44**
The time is **6:46**
